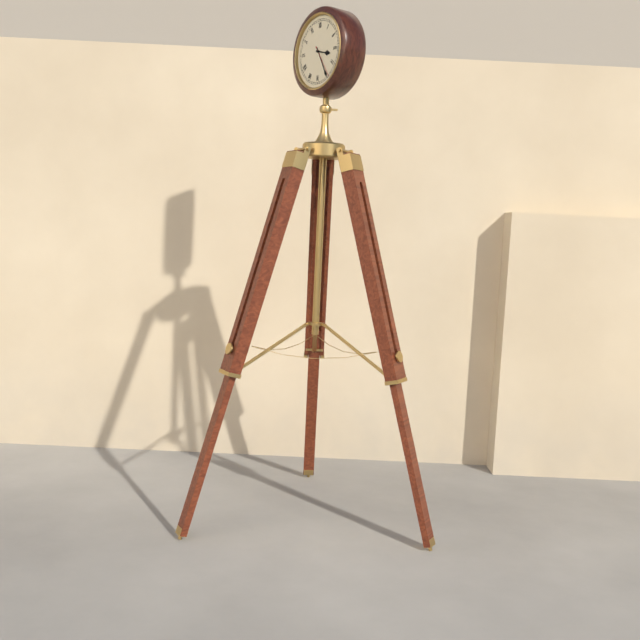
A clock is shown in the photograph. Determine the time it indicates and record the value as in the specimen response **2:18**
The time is **3:25**
